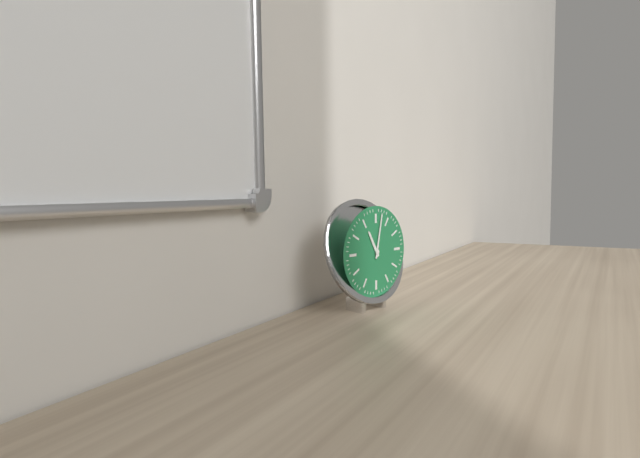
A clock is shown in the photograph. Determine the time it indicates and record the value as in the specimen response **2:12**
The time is **11:02**
